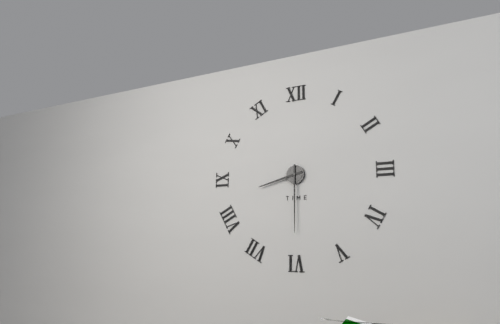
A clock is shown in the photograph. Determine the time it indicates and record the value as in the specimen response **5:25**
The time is **8:30**
